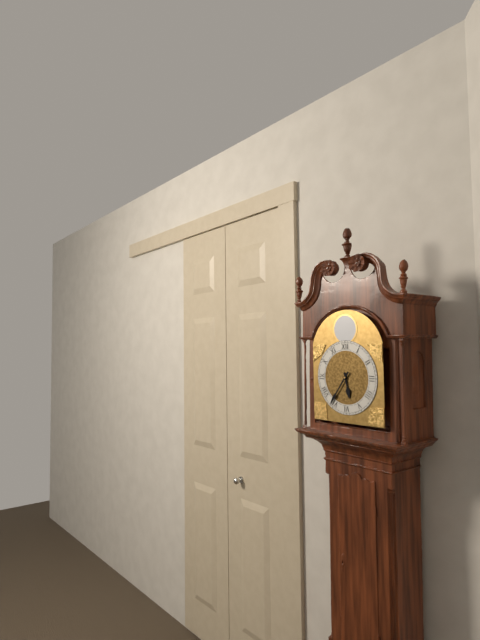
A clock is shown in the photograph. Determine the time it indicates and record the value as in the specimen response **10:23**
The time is **5:36**
